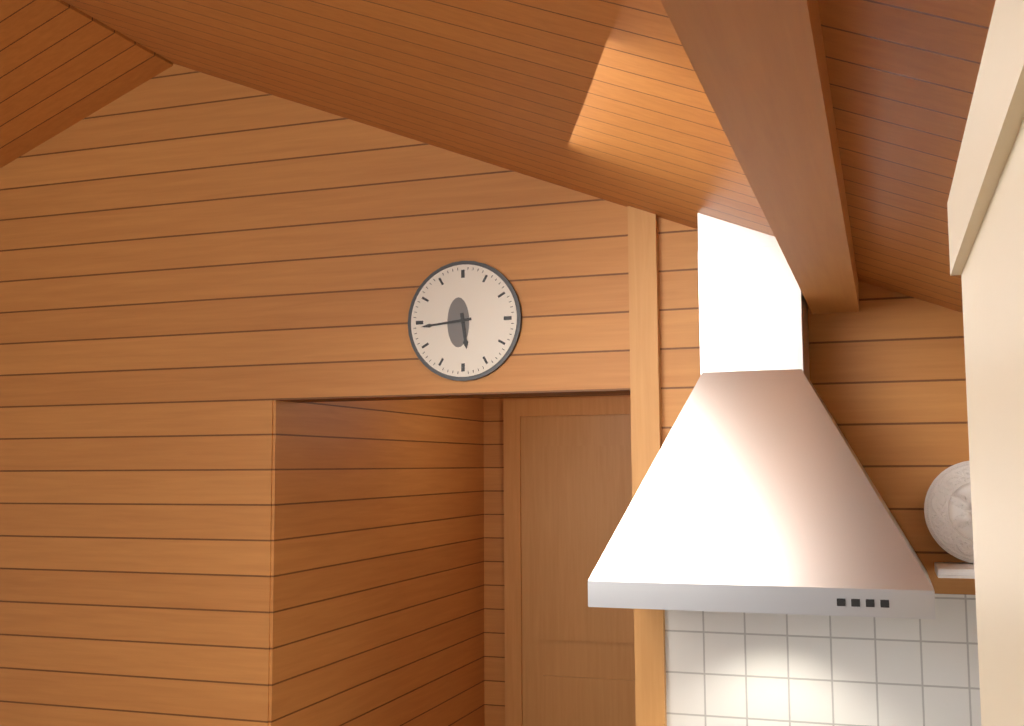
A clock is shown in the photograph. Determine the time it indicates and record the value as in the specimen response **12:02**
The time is **5:44**
